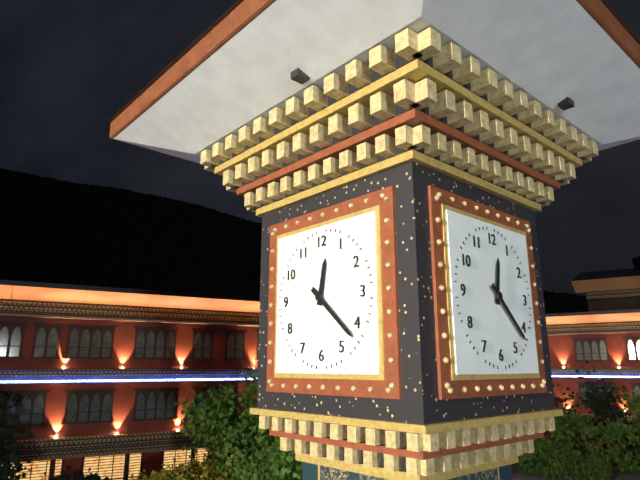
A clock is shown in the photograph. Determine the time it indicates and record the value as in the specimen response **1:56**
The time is **12:22**
